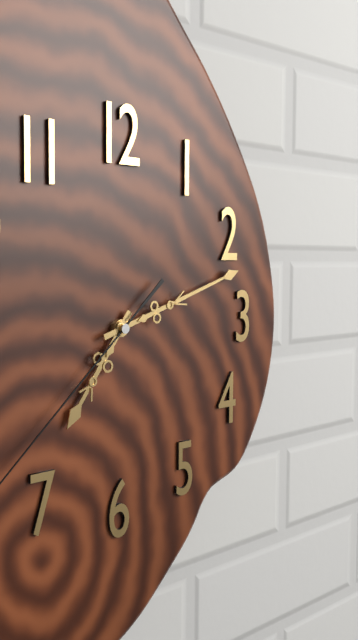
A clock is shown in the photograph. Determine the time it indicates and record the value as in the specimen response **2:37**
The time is **7:12**
